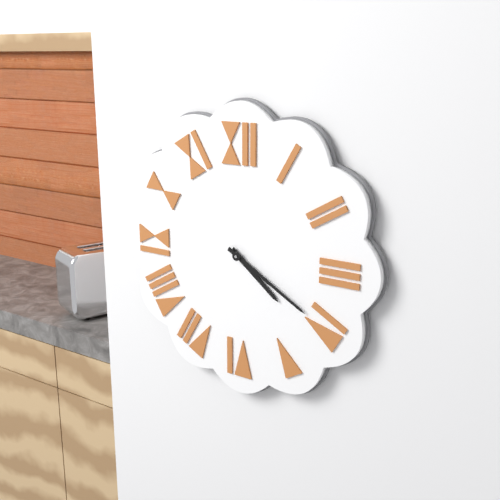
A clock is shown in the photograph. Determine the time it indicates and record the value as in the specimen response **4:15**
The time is **4:20**
